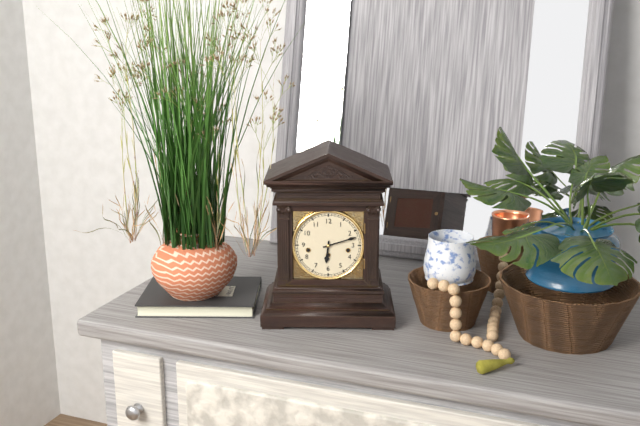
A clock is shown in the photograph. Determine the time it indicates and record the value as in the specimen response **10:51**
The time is **6:12**
